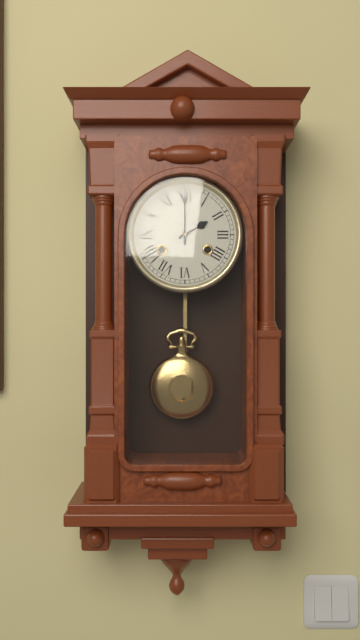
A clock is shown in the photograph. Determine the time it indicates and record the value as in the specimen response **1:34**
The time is **2:00**
